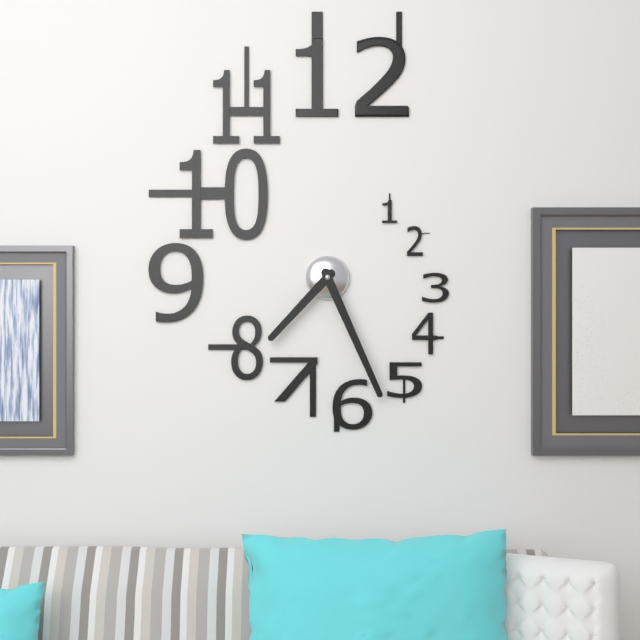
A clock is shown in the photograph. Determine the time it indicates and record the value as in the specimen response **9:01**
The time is **7:26**
